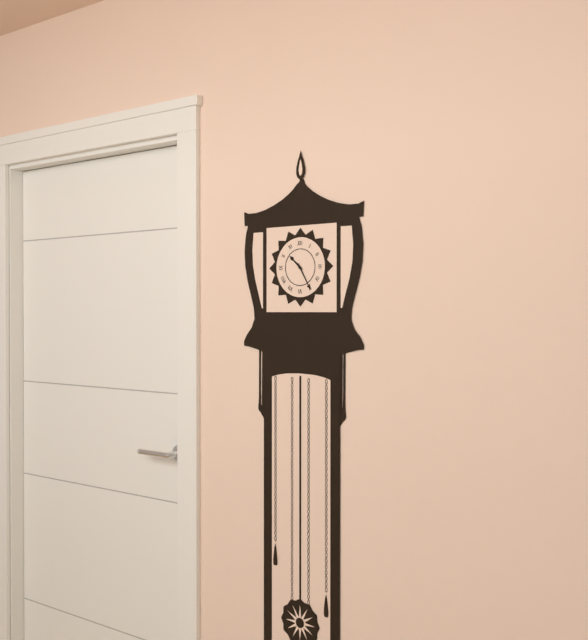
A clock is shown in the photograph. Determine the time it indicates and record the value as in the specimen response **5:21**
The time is **10:25**
